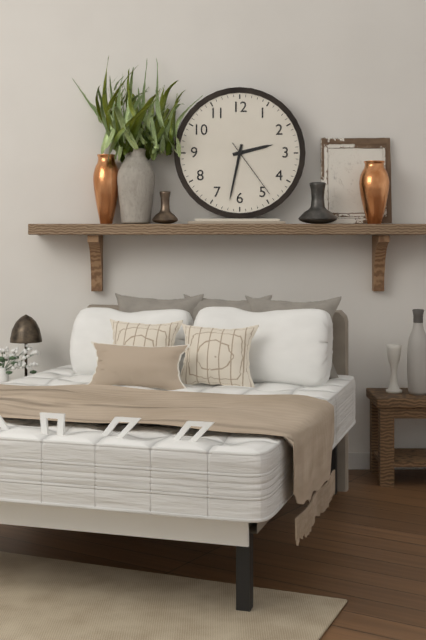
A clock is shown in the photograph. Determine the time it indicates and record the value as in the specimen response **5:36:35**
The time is **2:32:24**
